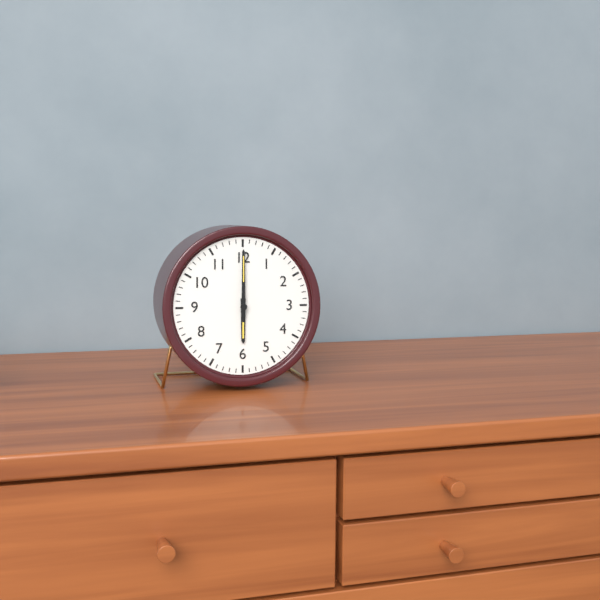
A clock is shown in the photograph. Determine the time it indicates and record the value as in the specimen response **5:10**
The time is **6:00**
